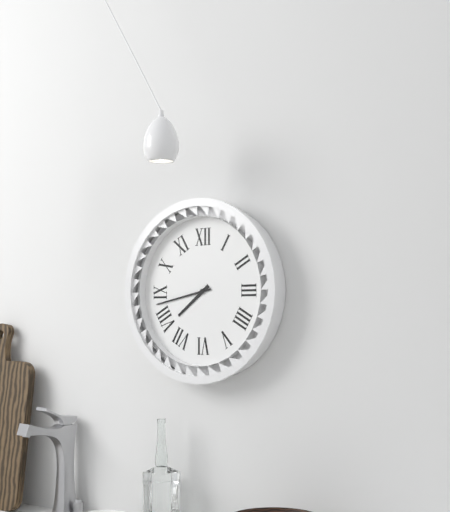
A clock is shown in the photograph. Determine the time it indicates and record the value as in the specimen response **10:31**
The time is **7:43**
